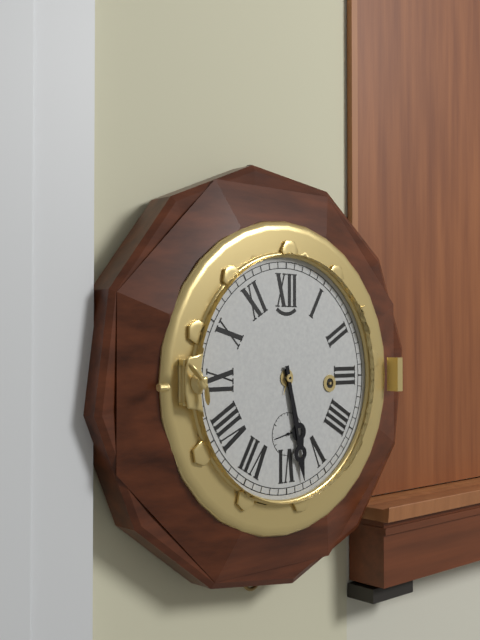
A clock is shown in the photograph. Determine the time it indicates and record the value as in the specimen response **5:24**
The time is **5:28**
